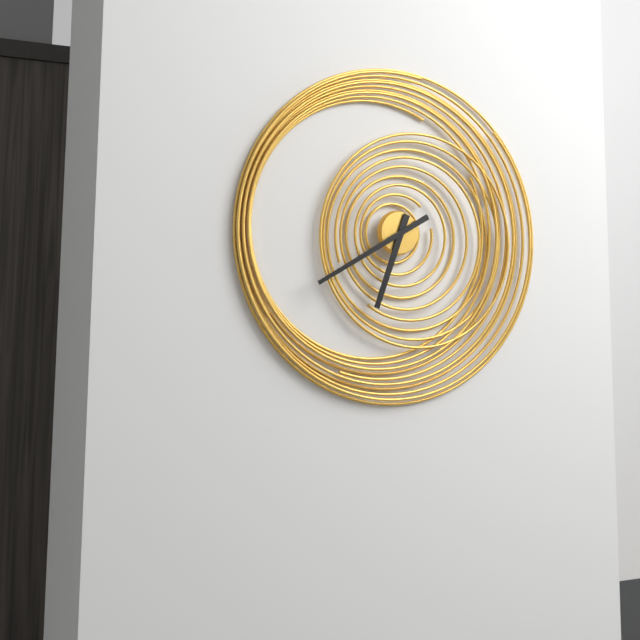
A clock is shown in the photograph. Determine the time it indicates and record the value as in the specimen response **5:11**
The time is **6:40**
